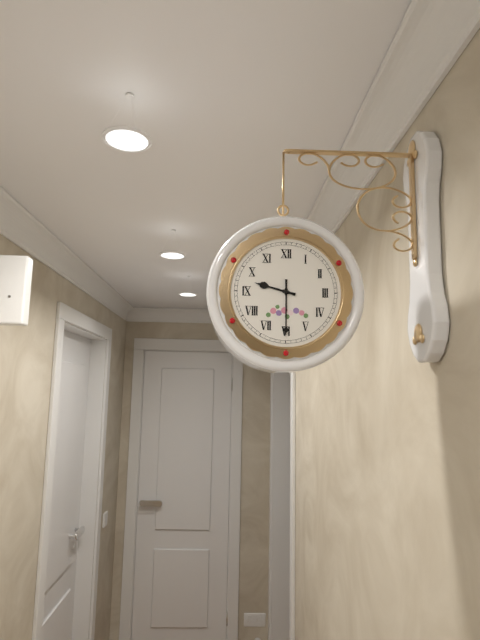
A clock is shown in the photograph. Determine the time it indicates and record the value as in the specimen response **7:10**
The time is **9:30**
